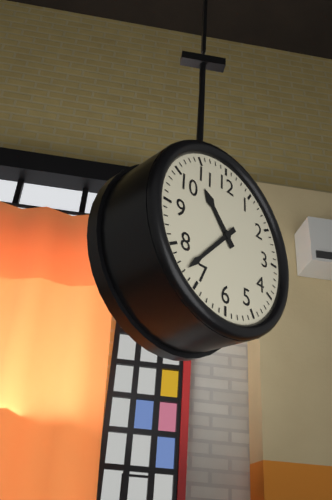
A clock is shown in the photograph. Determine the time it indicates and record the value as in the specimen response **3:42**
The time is **10:37**
